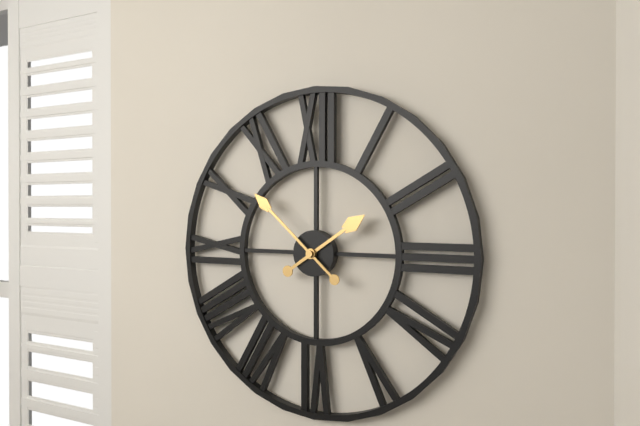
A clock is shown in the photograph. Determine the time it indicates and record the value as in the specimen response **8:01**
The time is **1:52**
